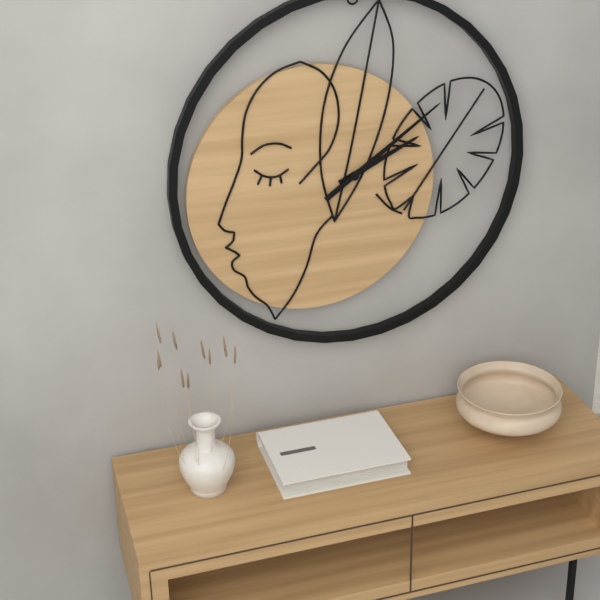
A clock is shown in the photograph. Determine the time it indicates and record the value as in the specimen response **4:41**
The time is **2:09**
